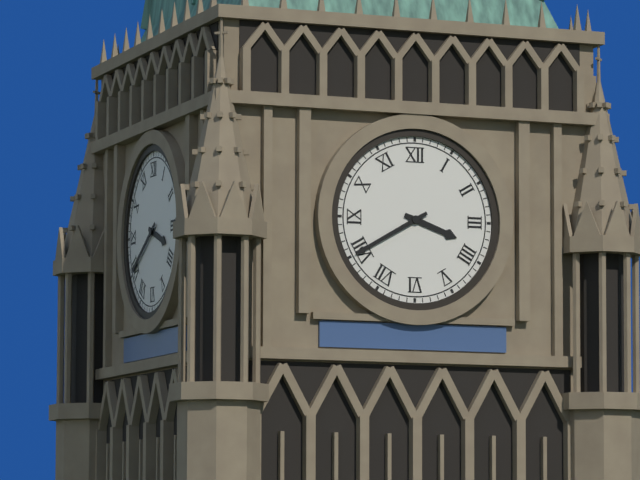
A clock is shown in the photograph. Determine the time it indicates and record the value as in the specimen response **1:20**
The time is **3:40**
